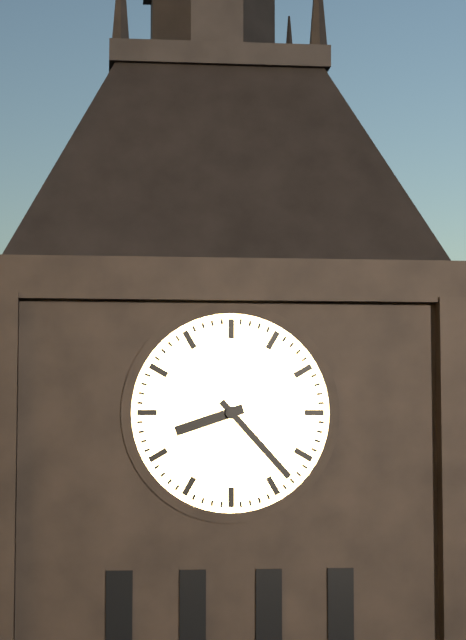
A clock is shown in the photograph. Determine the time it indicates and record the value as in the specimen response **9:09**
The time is **8:23**
